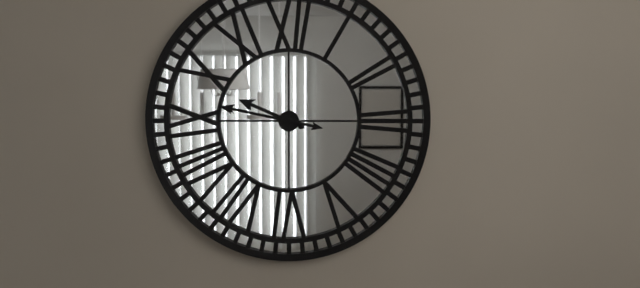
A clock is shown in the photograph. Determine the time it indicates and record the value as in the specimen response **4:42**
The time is **9:47**
